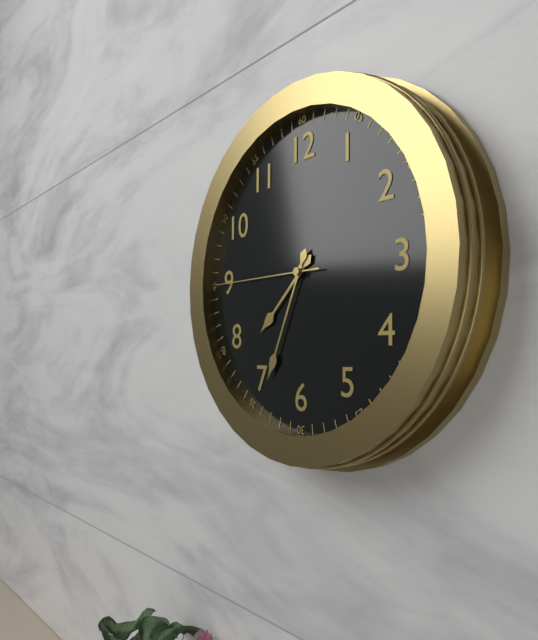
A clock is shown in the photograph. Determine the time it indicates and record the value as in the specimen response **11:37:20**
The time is **7:34:45**
